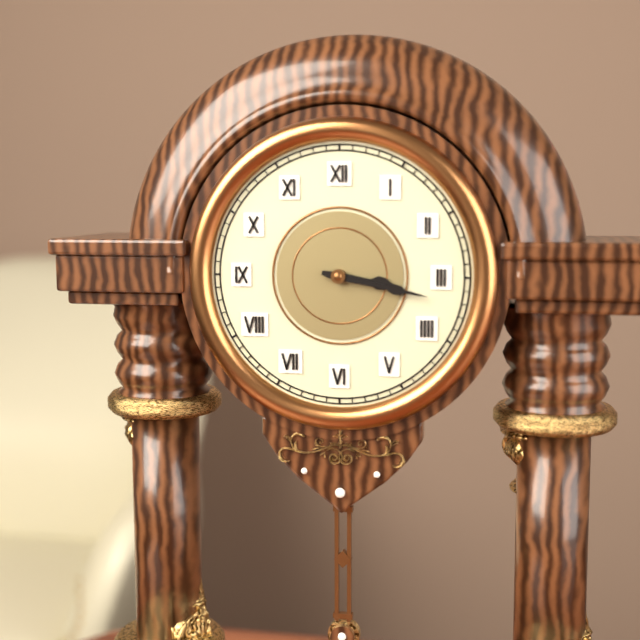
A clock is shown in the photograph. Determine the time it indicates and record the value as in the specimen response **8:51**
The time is **3:17**
